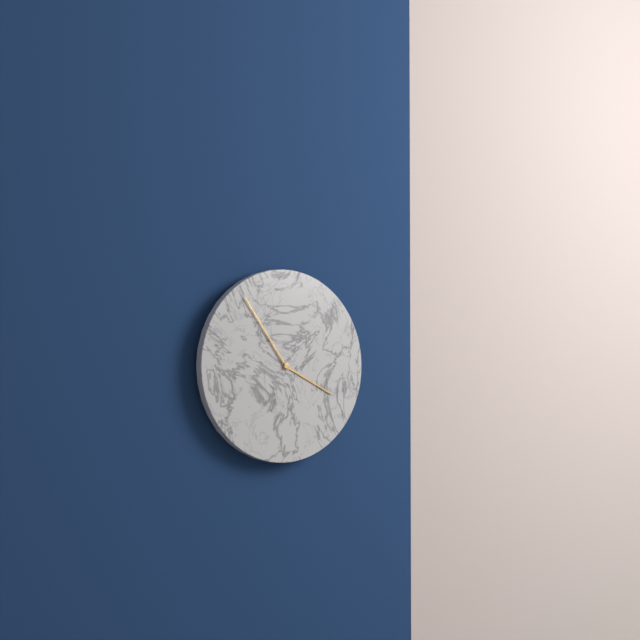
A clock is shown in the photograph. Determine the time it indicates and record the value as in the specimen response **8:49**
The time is **3:54**
